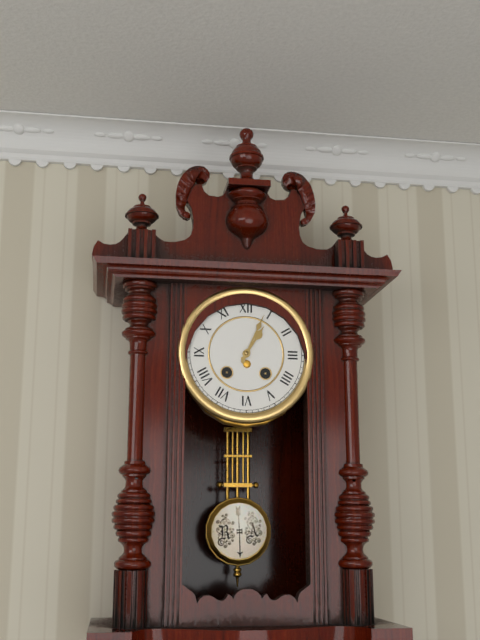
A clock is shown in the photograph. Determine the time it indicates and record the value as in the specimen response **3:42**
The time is **1:04**
